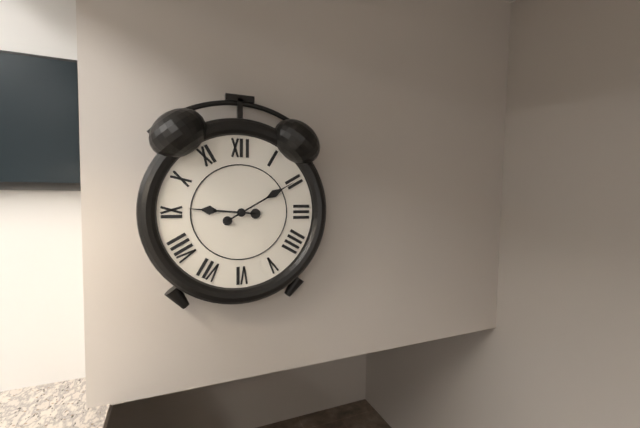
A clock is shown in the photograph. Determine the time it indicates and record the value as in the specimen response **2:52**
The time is **9:10**
